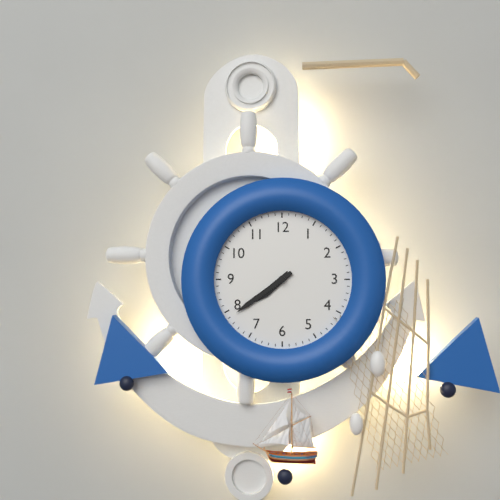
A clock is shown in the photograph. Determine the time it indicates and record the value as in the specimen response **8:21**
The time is **7:39**
